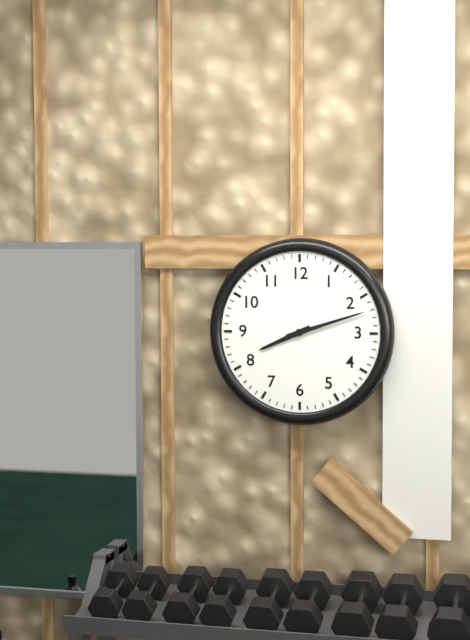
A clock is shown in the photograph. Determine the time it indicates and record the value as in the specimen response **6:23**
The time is **8:12**
